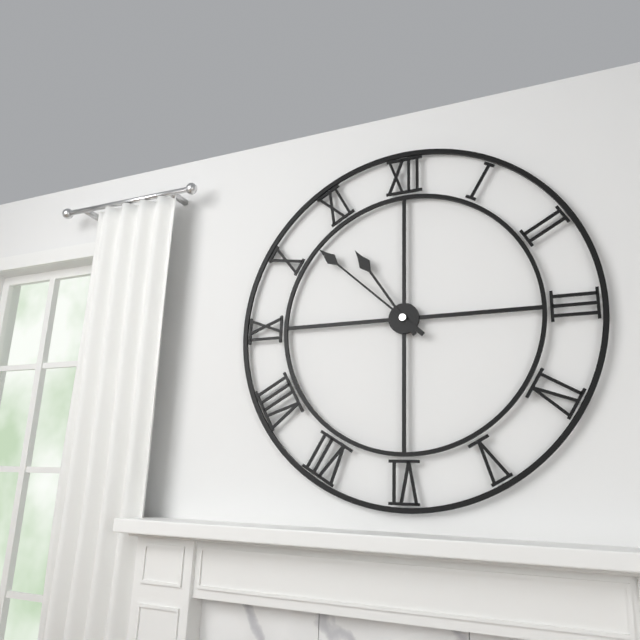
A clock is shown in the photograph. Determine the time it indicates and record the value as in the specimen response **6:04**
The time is **10:52**
